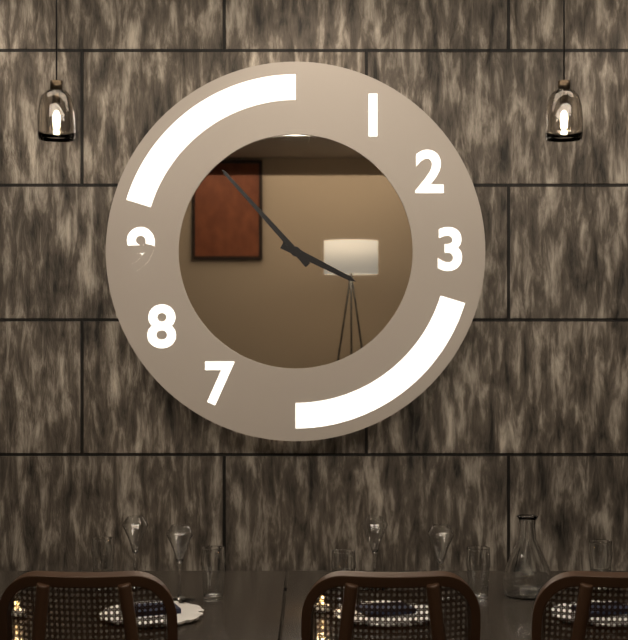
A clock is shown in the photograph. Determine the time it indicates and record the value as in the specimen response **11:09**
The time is **3:53**
